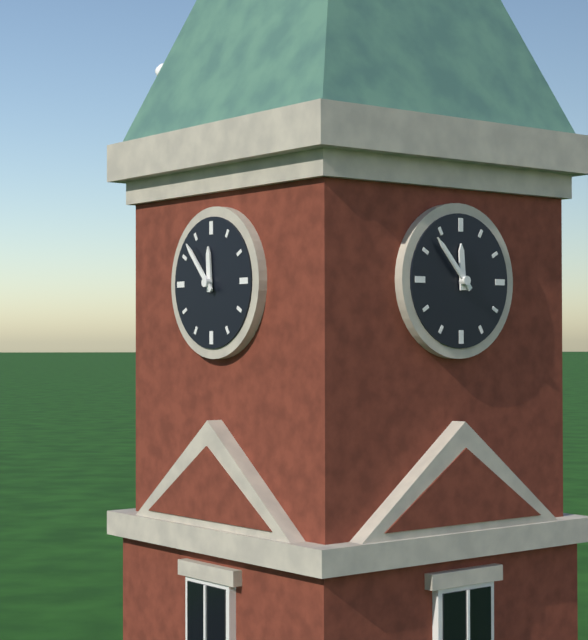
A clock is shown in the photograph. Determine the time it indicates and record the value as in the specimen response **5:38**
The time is **11:53**
